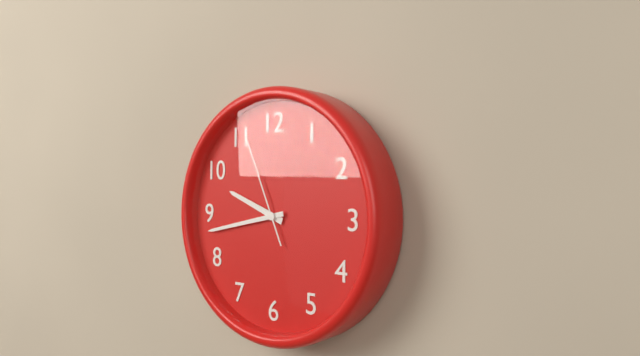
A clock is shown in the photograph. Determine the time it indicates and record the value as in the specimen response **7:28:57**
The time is **9:43:56**
